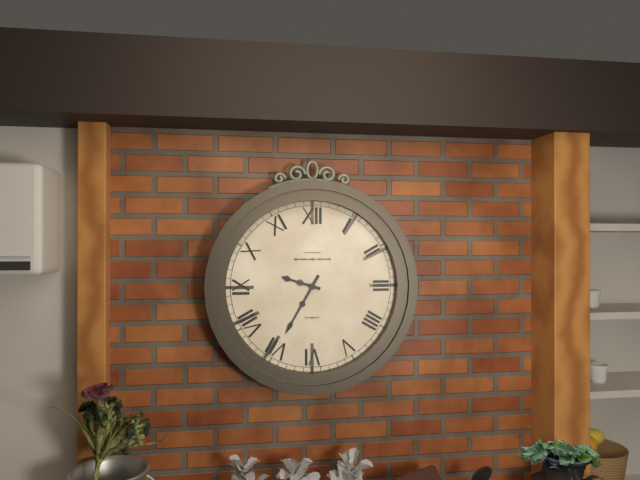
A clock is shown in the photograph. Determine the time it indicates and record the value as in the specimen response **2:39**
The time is **9:35**
